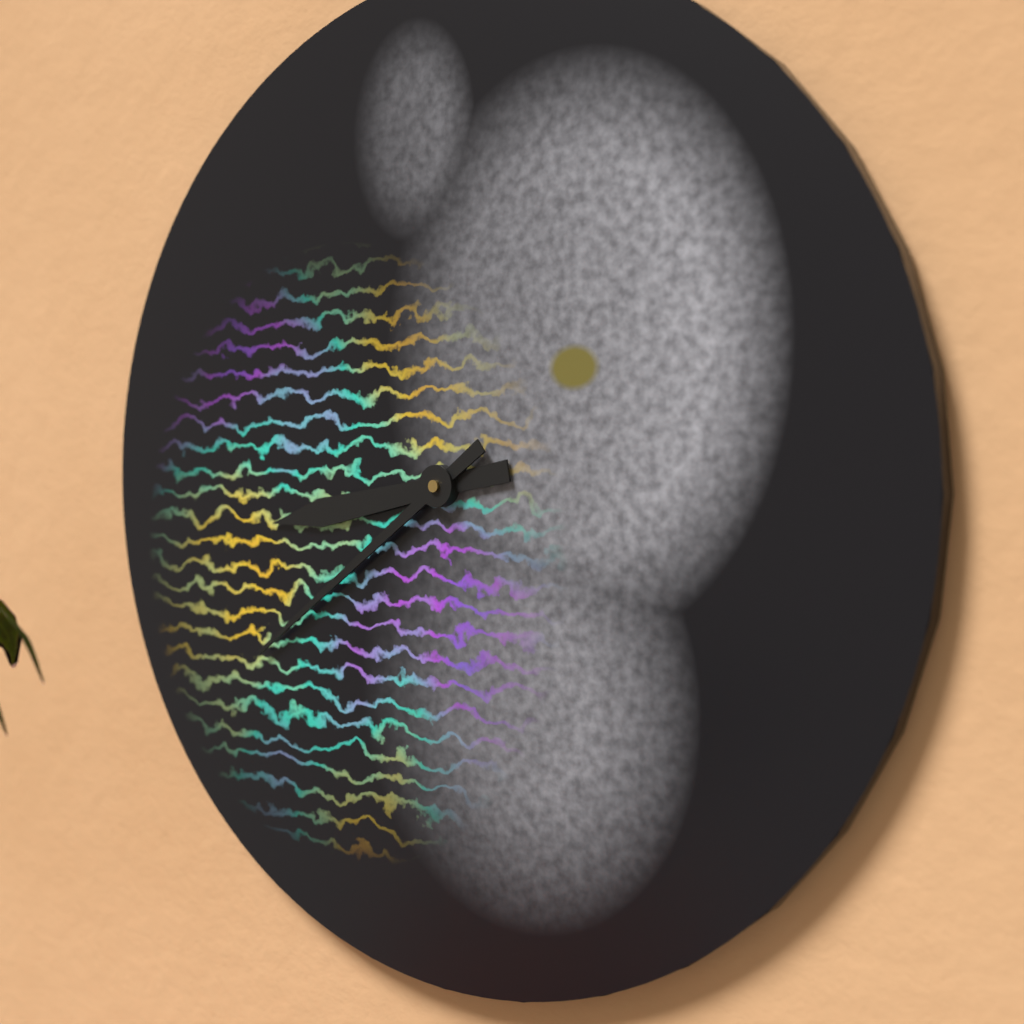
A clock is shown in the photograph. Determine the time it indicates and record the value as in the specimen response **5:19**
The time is **8:39**
